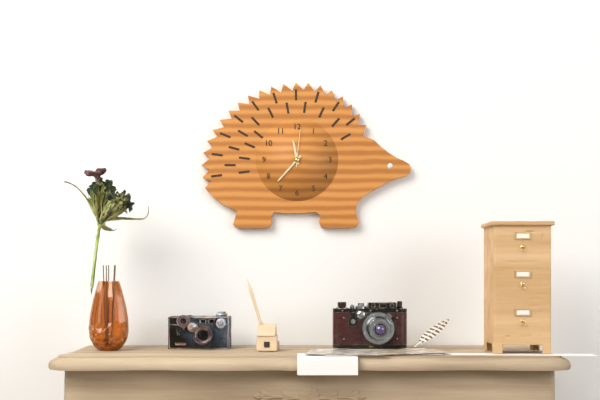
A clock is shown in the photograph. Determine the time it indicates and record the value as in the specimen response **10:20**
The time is **11:37**
